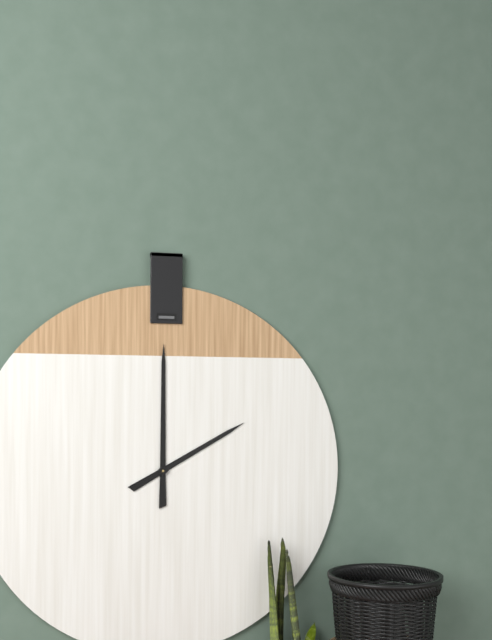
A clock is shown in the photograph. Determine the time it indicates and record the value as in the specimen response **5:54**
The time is **2:00**
